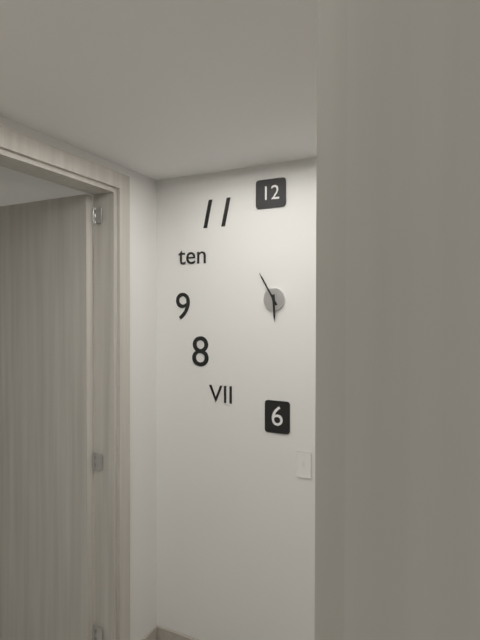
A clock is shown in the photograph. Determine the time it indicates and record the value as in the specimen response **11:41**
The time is **5:55**
